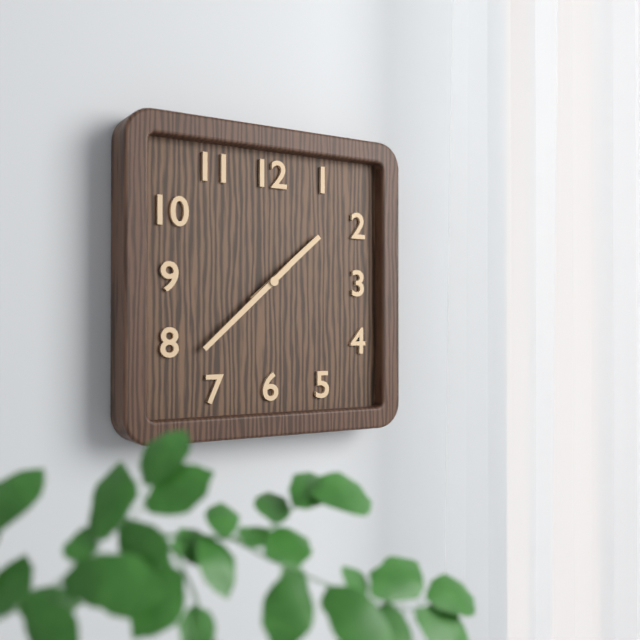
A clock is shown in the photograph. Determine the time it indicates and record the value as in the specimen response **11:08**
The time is **1:38**
